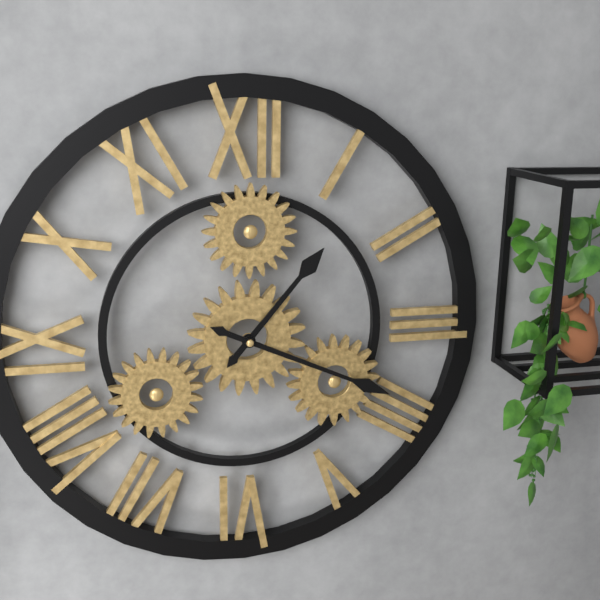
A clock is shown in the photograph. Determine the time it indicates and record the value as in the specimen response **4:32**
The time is **1:19**
